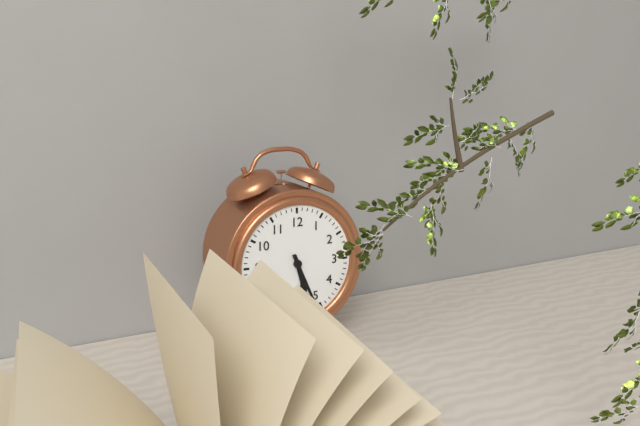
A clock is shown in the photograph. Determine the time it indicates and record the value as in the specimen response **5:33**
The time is **5:26**
